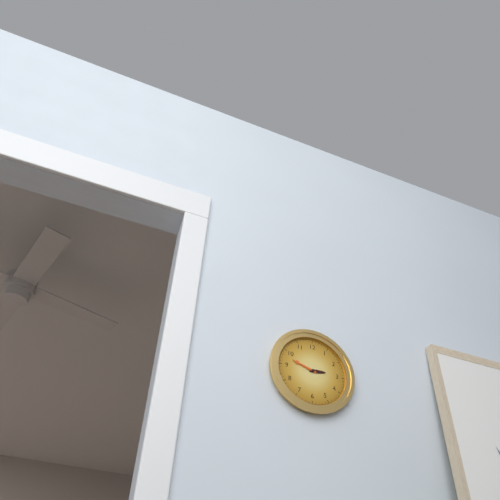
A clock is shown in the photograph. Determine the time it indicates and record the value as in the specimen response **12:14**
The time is **2:48**
